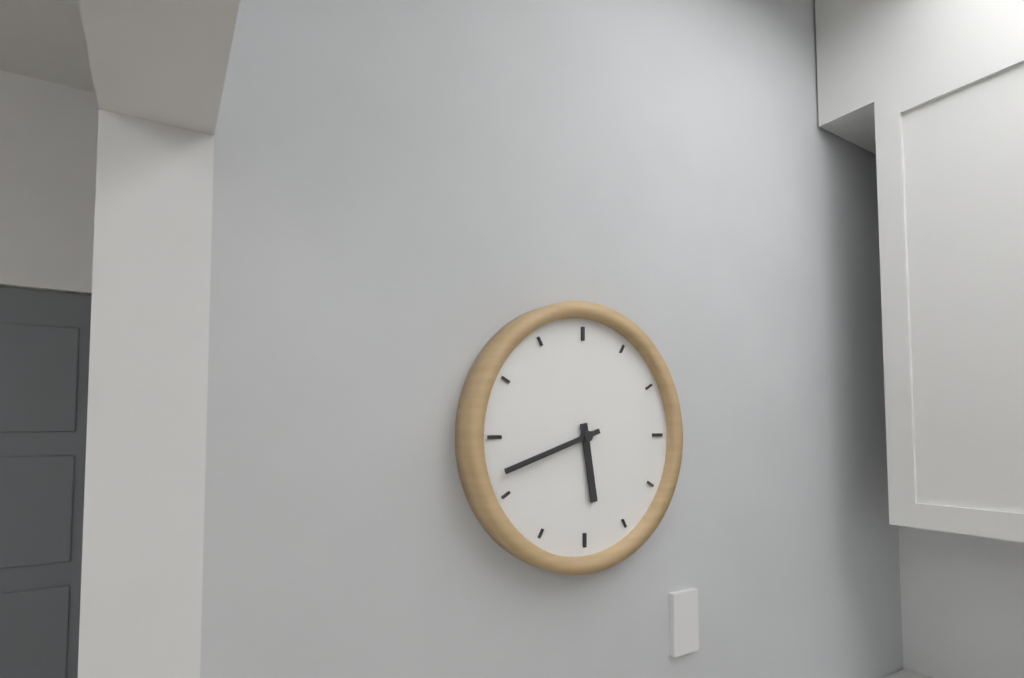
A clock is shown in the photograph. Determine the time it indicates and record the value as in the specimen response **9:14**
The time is **5:42**
